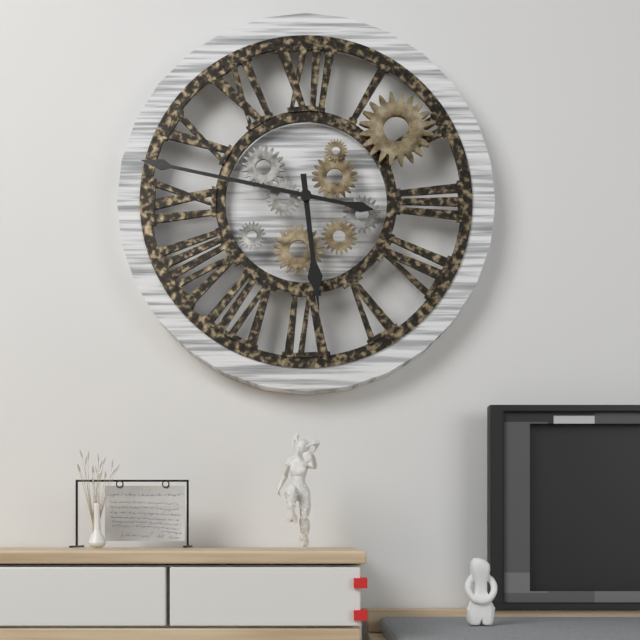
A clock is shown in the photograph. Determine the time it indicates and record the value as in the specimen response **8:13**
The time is **5:47**
